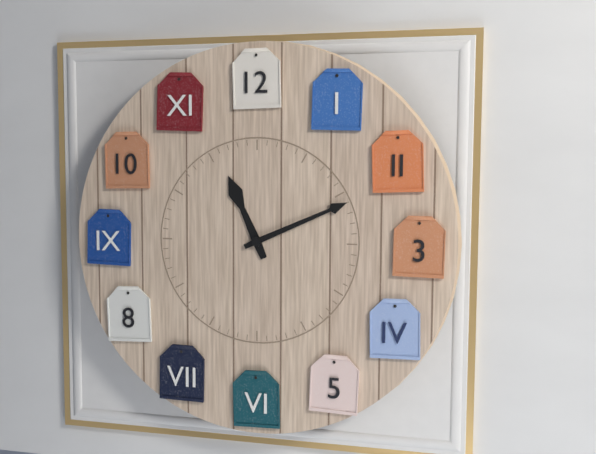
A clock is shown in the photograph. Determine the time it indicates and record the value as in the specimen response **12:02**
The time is **11:11**
